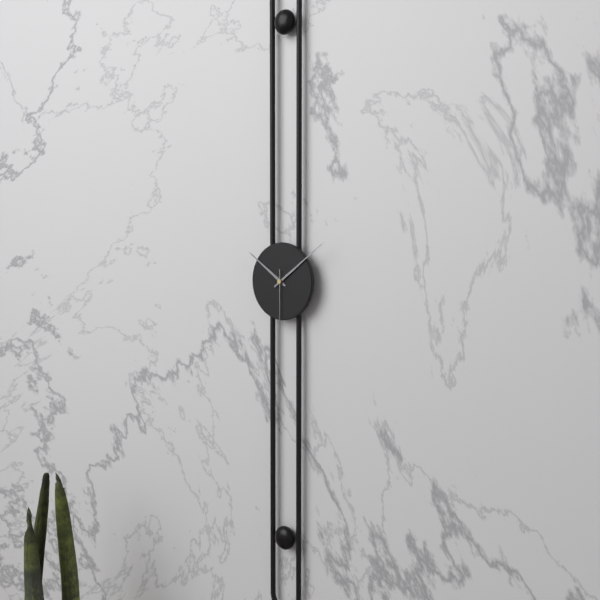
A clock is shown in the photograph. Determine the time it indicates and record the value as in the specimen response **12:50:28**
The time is **10:09:30**
